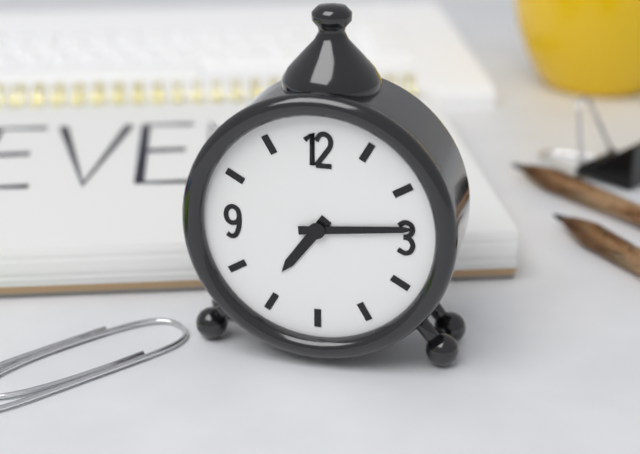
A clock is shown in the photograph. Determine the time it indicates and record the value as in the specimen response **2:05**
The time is **7:14**
